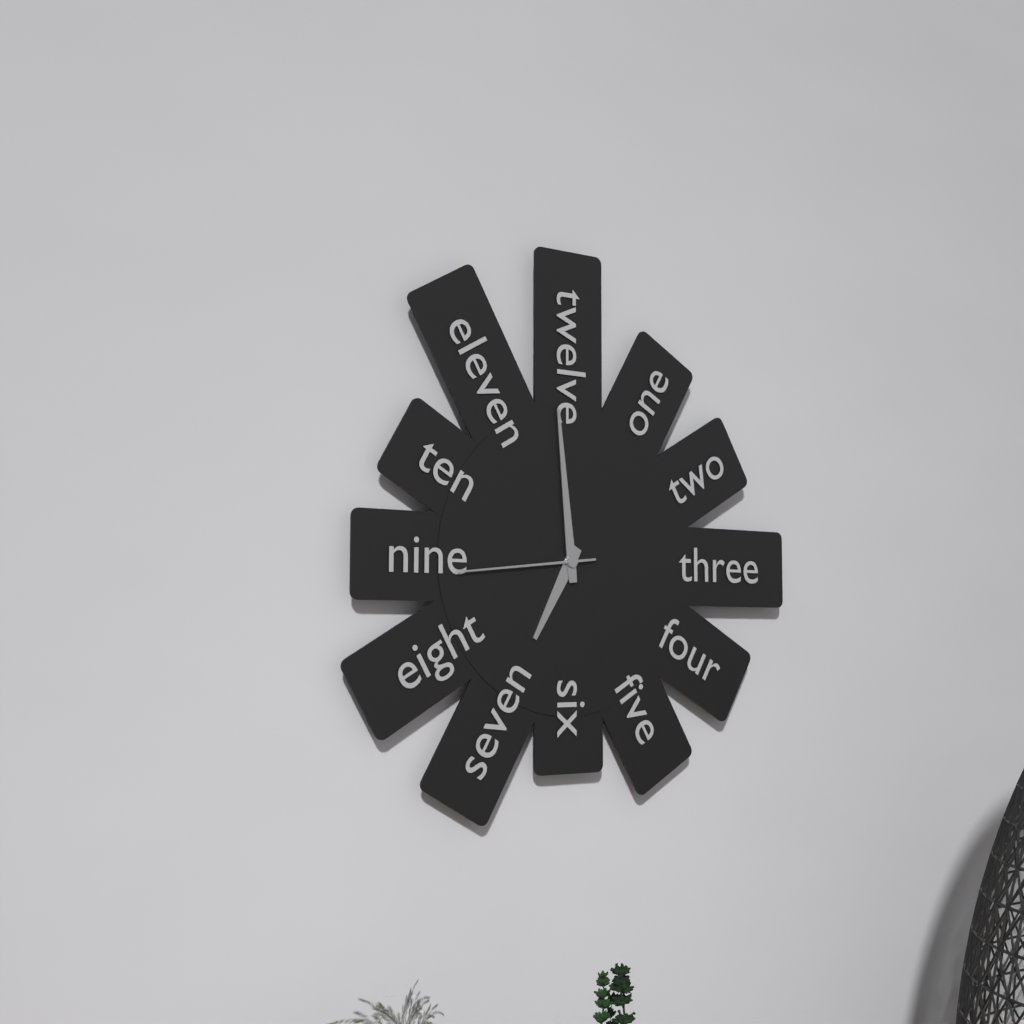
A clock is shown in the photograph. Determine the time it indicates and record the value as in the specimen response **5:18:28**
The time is **6:59:44**
